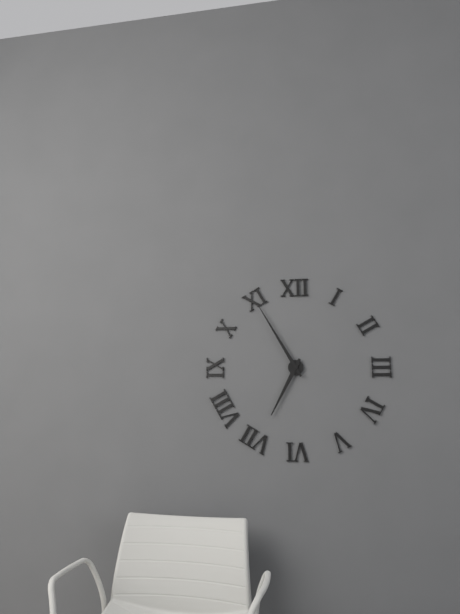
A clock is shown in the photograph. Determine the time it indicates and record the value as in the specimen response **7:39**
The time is **6:55**
